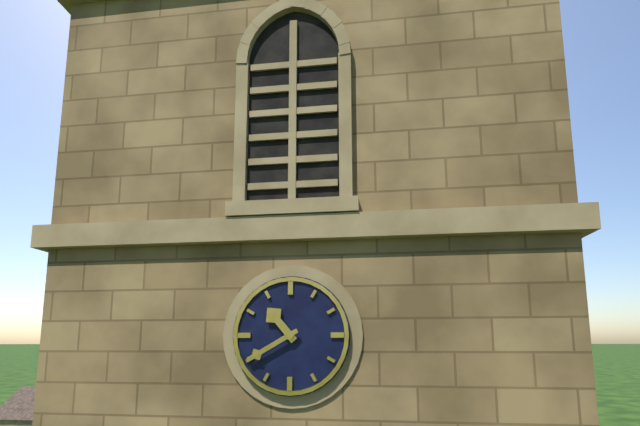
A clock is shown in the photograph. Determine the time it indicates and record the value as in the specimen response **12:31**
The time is **10:40**
